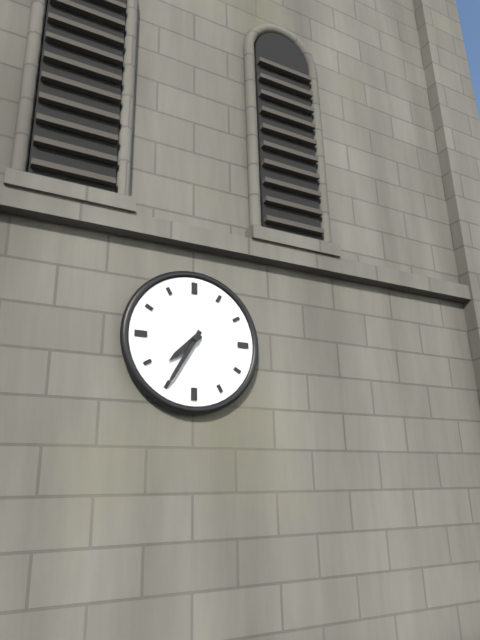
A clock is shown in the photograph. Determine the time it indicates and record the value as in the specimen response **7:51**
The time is **7:35**
